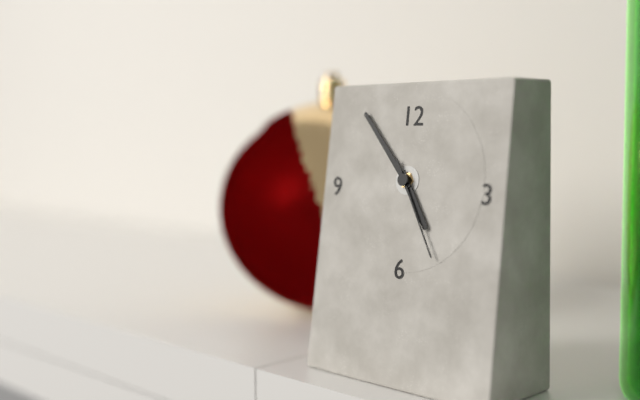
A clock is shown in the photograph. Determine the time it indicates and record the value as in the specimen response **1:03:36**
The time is **4:53:25**
